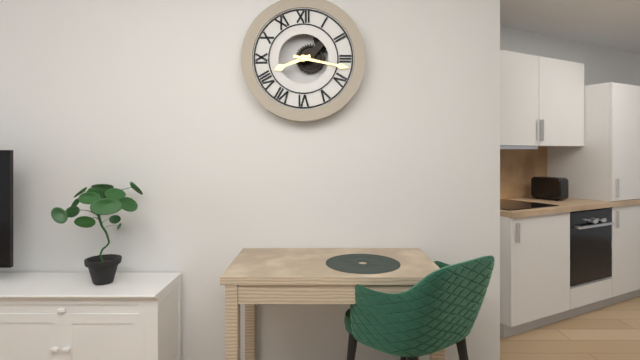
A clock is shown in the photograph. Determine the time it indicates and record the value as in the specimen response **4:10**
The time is **8:17**
